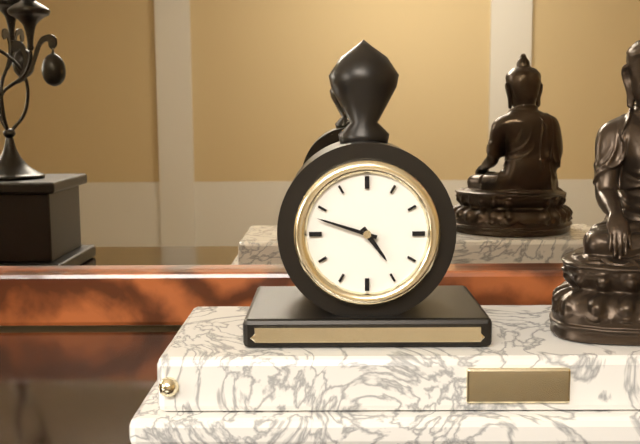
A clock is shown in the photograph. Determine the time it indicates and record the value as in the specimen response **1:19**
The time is **4:48**
